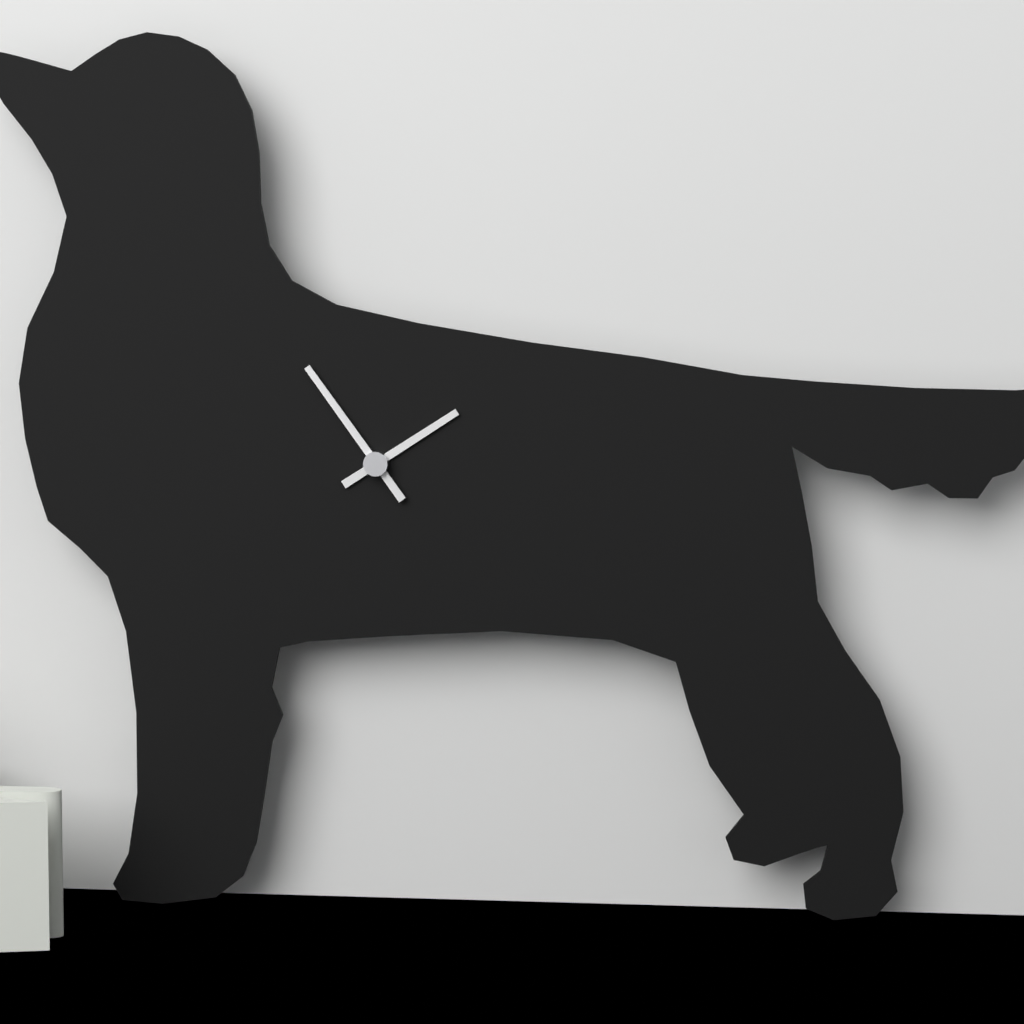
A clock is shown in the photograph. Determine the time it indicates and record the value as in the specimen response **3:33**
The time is **1:54**
